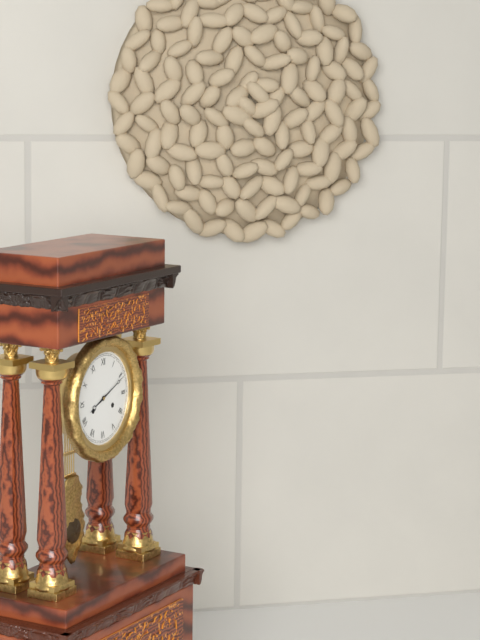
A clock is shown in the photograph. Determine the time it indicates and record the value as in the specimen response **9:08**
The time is **8:11**
